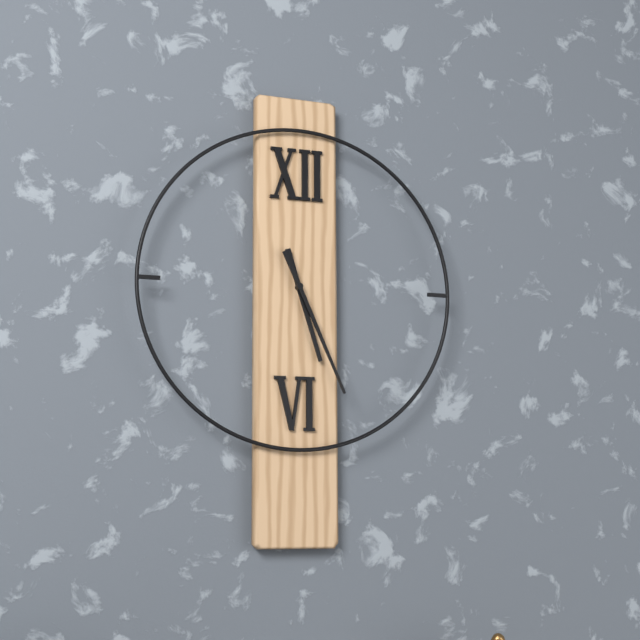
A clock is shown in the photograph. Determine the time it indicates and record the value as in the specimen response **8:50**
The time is **5:26**
